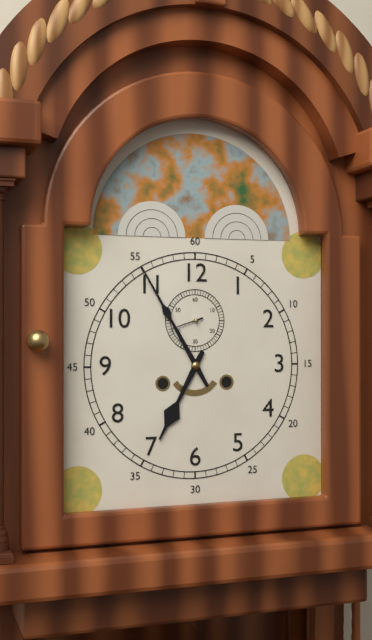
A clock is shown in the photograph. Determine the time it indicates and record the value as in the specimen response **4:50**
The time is **6:55**
